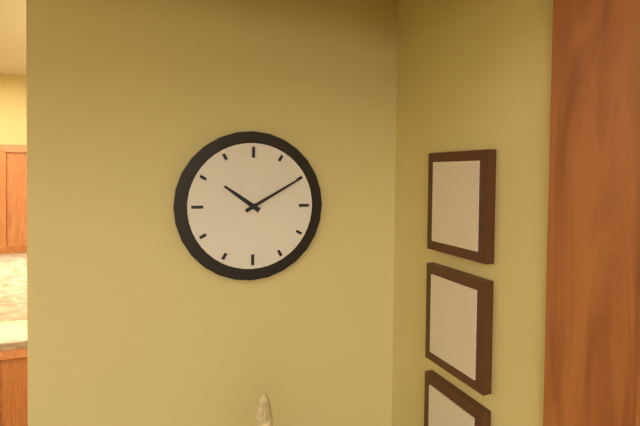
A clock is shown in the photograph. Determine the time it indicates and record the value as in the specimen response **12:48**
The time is **10:10**
